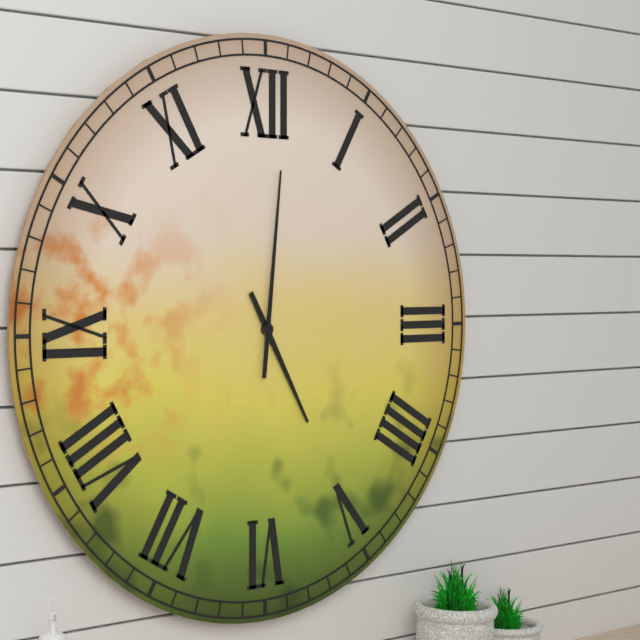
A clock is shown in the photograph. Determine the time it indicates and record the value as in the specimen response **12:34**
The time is **5:01**
